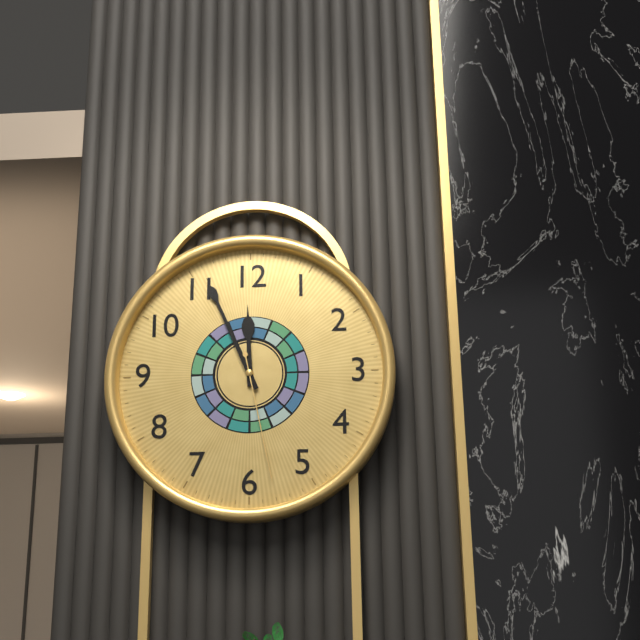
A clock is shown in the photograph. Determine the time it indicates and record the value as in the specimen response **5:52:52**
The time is **11:56:28**
